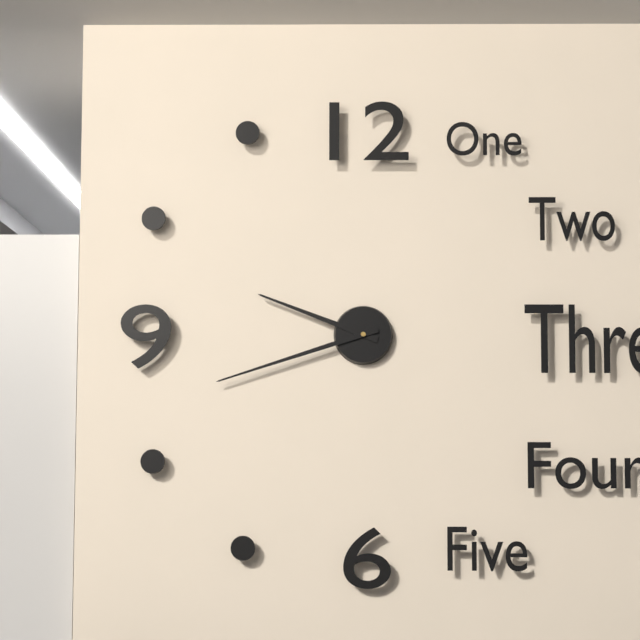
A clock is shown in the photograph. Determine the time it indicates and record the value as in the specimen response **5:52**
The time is **9:42**
